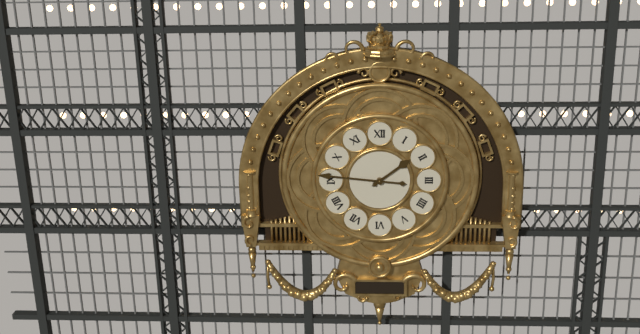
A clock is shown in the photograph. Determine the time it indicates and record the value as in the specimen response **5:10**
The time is **1:46**
